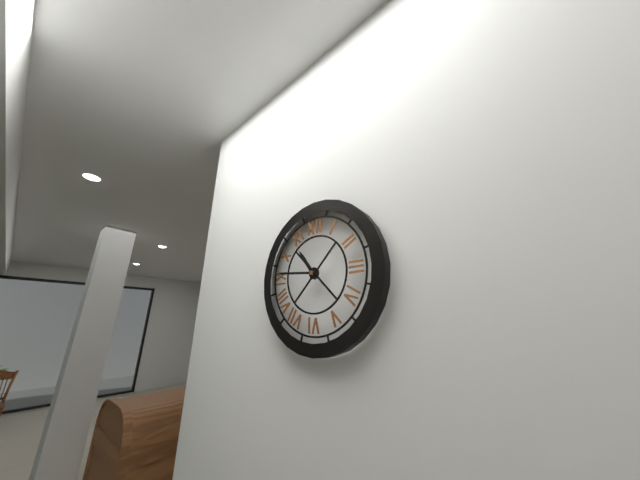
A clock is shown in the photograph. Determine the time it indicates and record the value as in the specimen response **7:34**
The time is **10:46**
